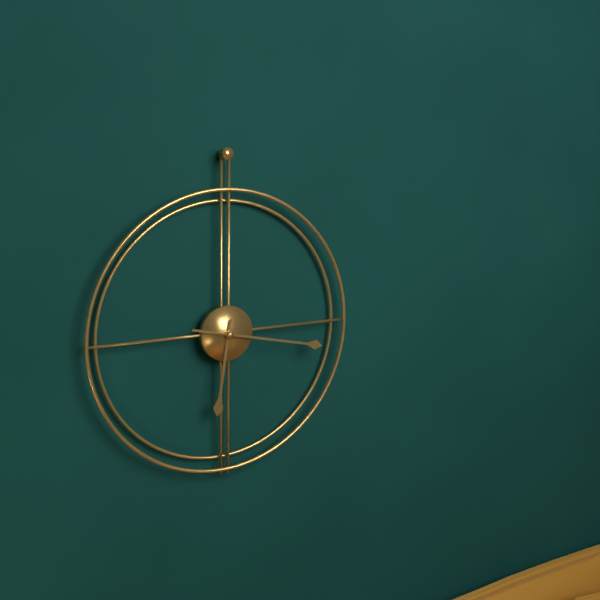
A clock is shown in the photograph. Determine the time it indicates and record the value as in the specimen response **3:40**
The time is **6:17**
